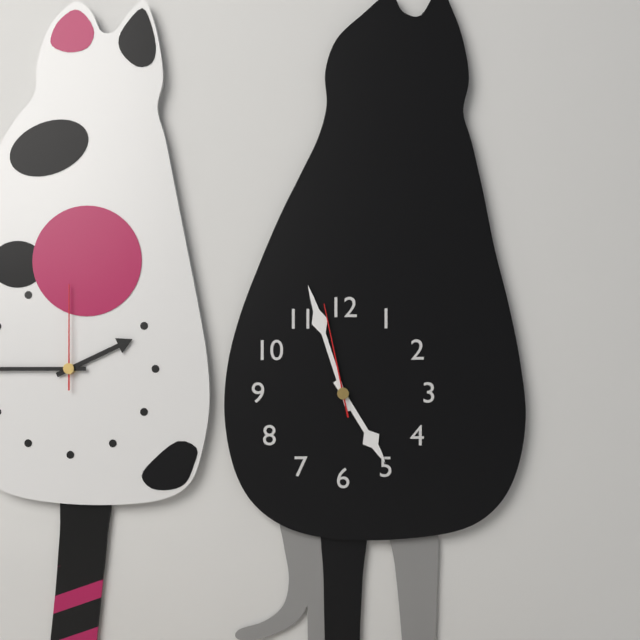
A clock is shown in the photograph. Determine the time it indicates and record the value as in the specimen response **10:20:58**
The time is **4:57:58**
